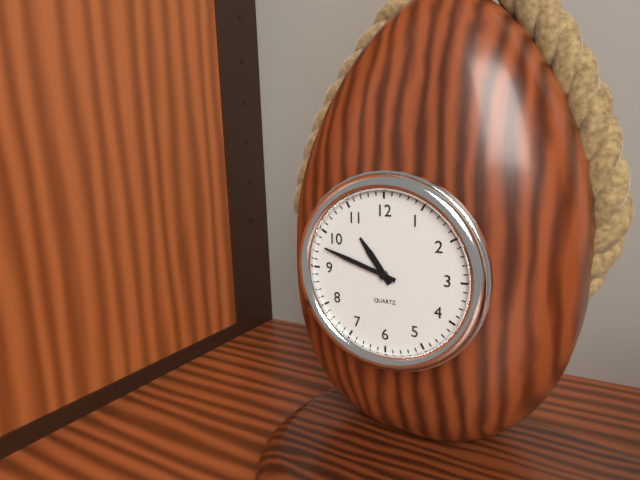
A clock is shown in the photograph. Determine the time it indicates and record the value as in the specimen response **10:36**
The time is **10:48**
